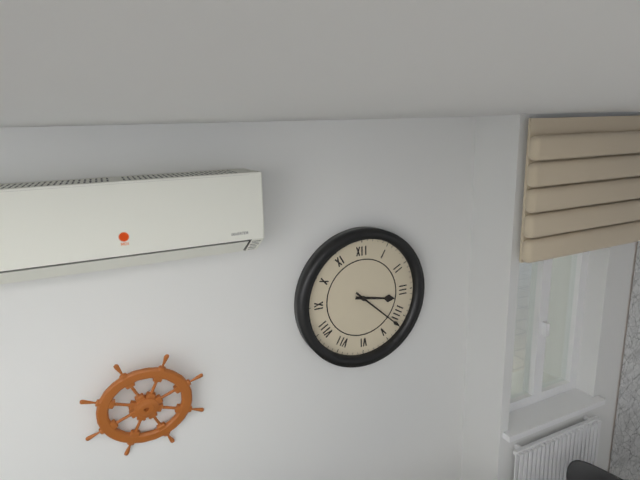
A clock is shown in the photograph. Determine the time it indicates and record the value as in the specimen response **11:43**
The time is **3:22**
